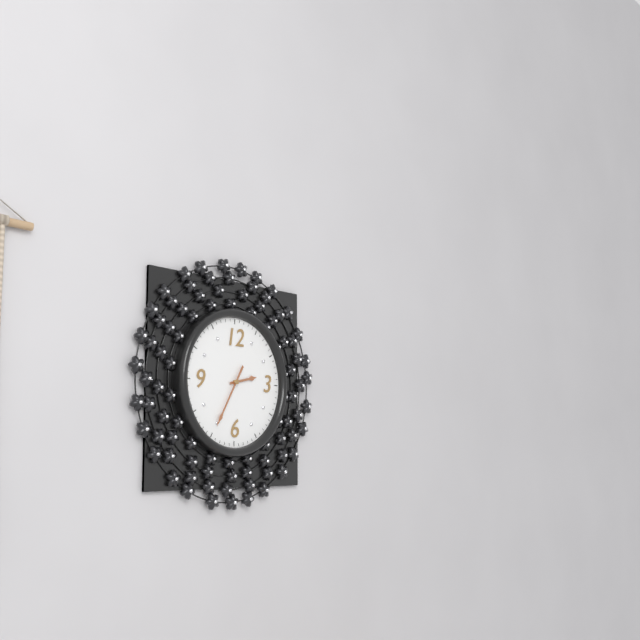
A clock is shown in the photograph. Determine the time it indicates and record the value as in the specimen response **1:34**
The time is **2:35**
